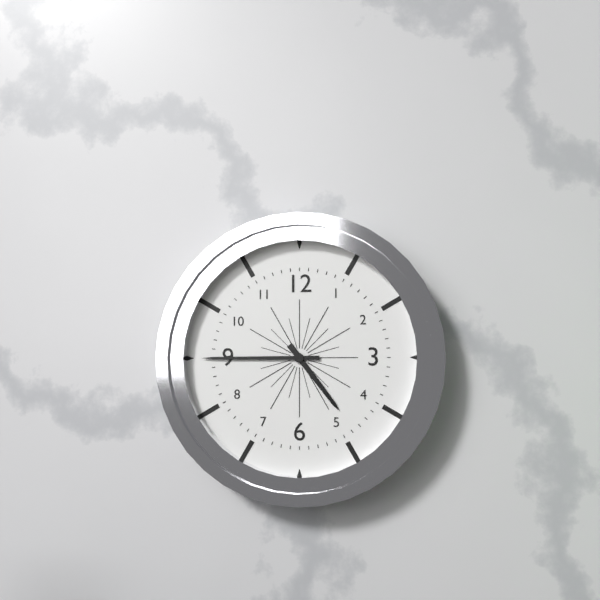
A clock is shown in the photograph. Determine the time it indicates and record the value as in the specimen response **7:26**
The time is **4:45**
